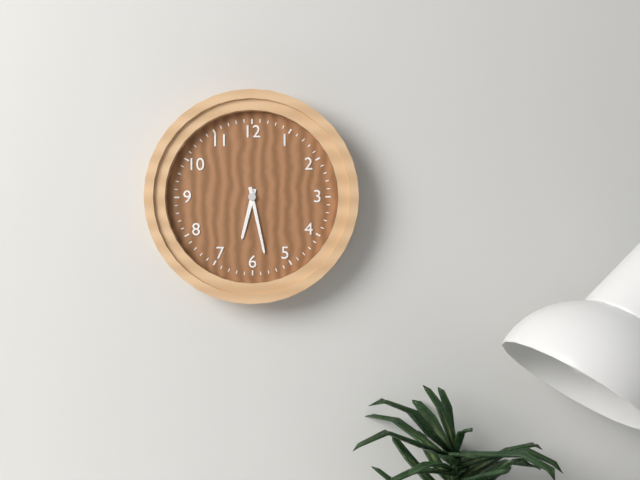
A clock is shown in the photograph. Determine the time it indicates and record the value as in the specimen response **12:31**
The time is **6:28**
